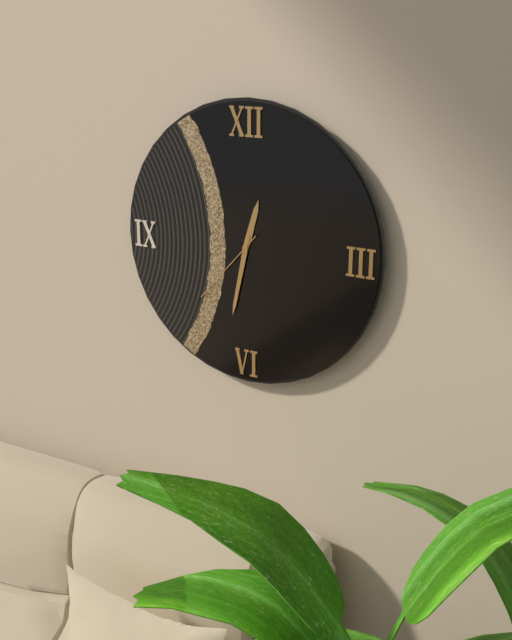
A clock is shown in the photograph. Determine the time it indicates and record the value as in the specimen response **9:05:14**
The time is **12:32:37**
